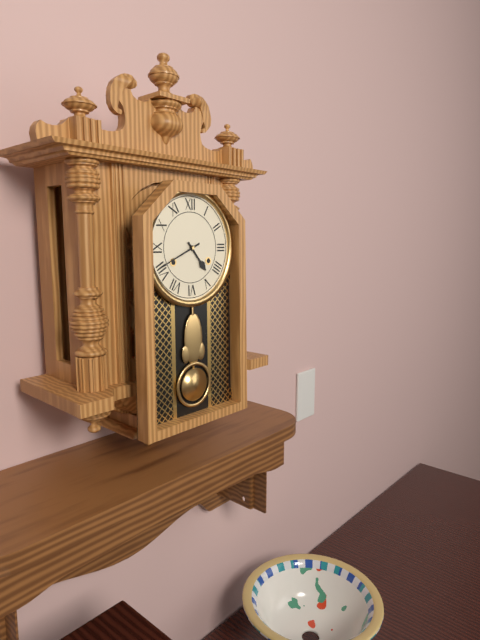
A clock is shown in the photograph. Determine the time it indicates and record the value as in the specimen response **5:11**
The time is **4:41**
